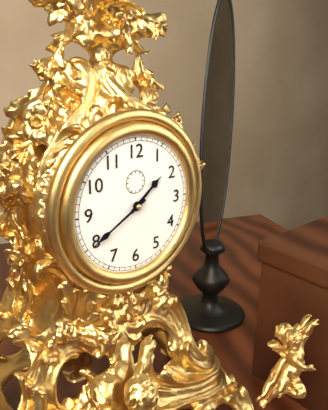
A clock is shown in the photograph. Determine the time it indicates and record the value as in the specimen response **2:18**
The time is **1:40**
